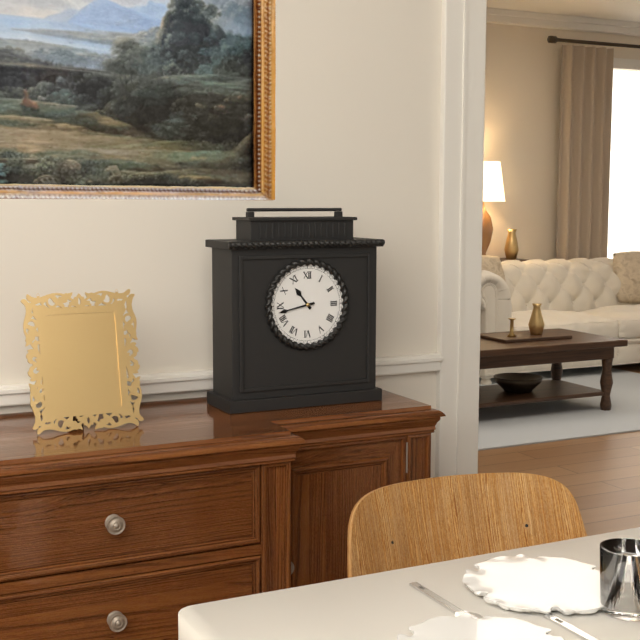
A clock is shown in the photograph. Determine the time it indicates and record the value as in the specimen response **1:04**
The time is **10:43**
